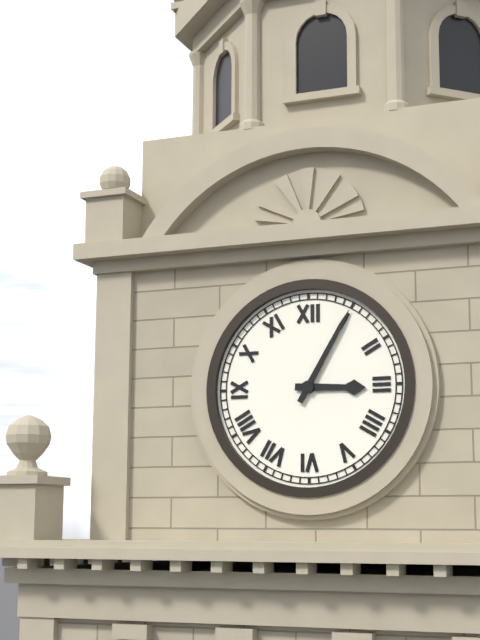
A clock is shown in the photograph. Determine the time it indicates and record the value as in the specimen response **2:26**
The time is **3:05**
